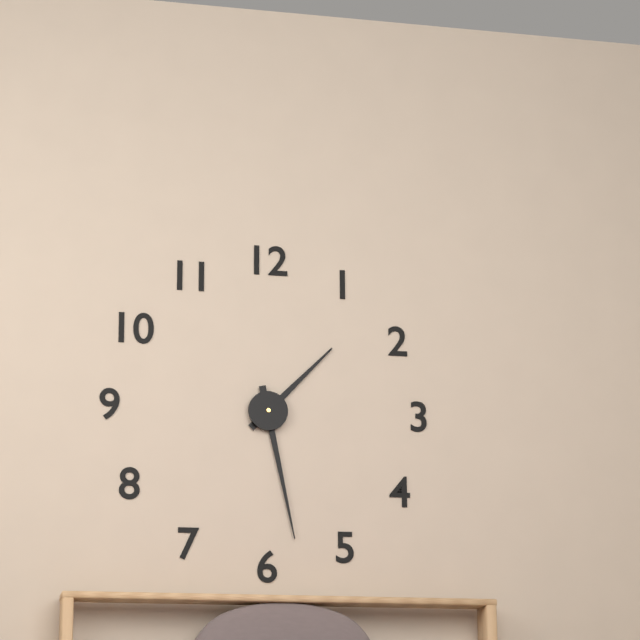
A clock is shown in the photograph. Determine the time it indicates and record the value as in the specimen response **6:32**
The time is **1:28**
